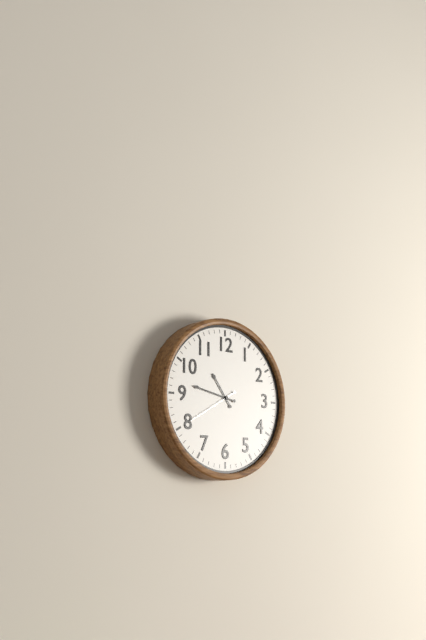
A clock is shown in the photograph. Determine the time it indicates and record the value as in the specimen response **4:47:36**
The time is **10:47:40**
